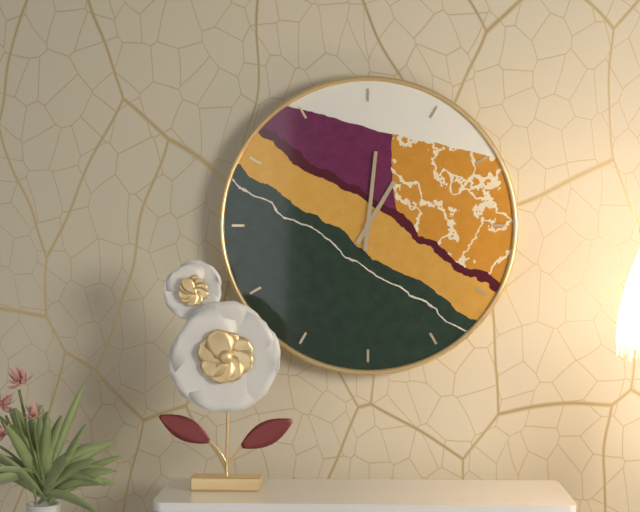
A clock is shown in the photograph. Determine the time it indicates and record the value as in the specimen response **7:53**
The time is **1:01**
